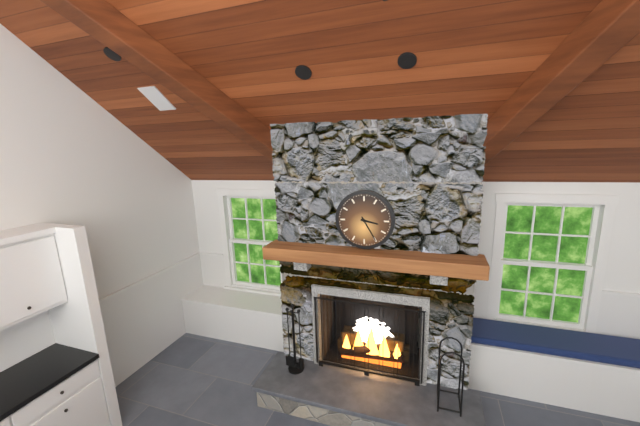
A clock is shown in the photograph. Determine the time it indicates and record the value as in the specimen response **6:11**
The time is **3:25**
